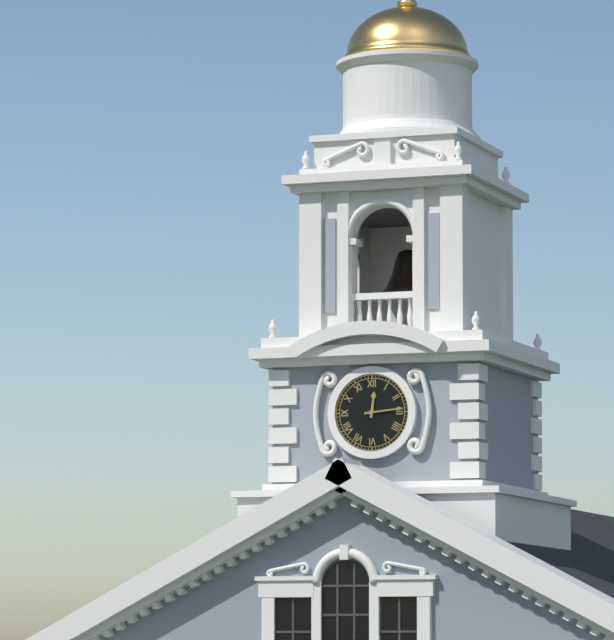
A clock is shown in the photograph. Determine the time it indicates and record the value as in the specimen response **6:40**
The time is **12:14**
